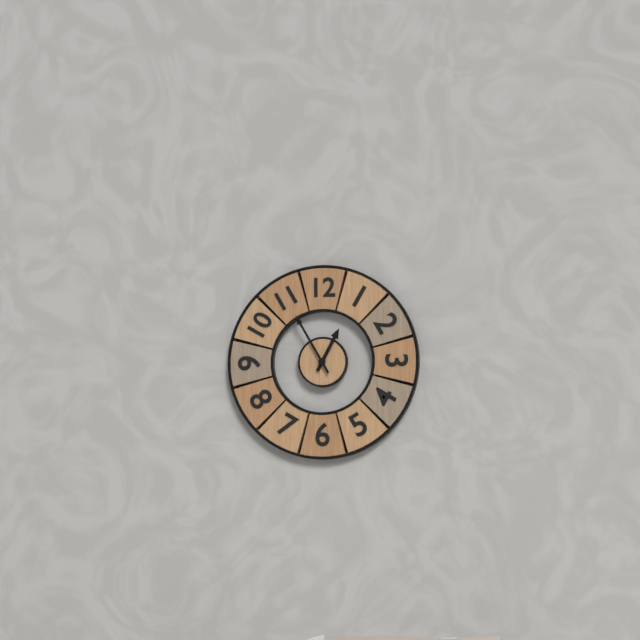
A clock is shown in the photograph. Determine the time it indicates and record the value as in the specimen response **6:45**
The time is **12:55**
